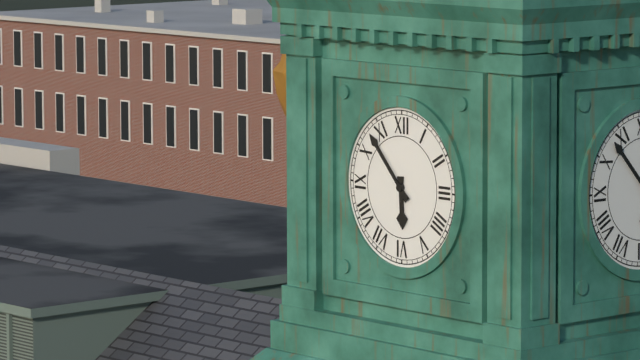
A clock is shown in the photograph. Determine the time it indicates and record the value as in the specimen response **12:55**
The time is **5:53**
